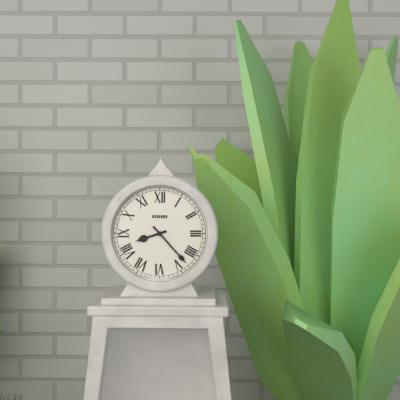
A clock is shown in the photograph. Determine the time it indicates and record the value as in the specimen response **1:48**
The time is **8:23**
